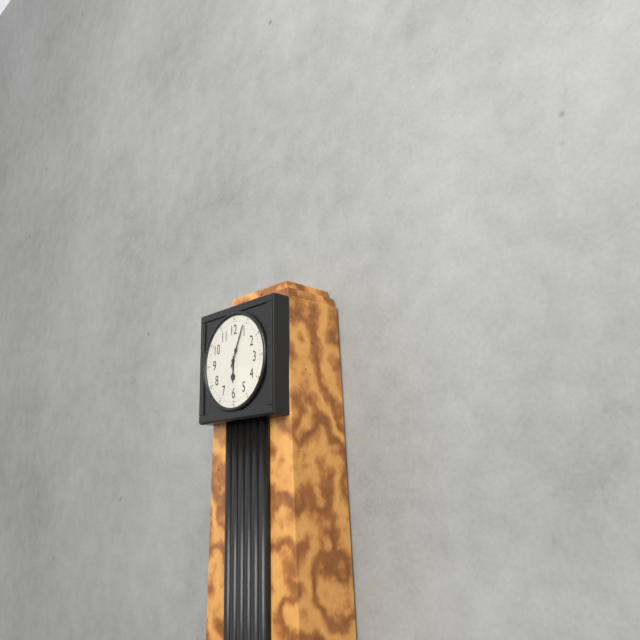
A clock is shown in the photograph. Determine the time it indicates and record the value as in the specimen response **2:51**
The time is **6:04**
